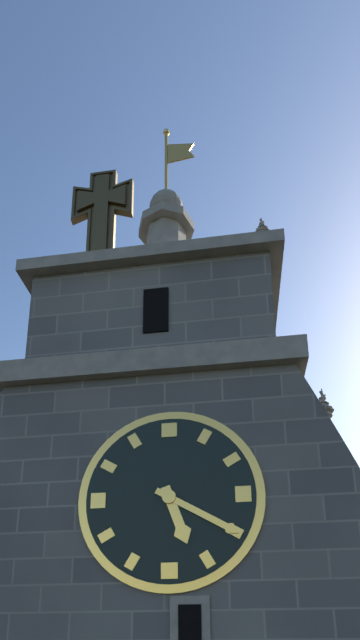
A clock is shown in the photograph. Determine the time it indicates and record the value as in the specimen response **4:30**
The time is **5:20**
